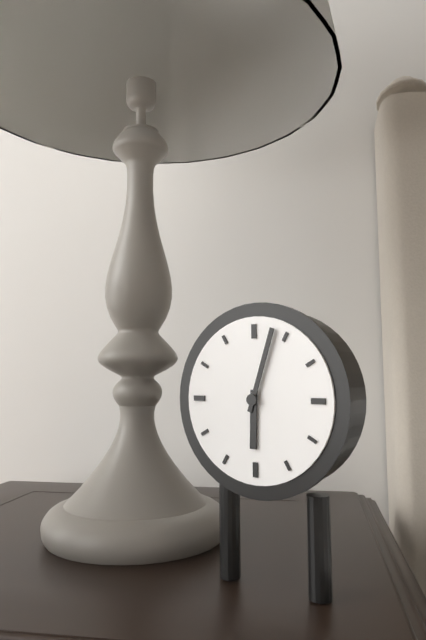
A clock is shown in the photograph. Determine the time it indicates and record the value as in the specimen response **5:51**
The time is **6:03**
